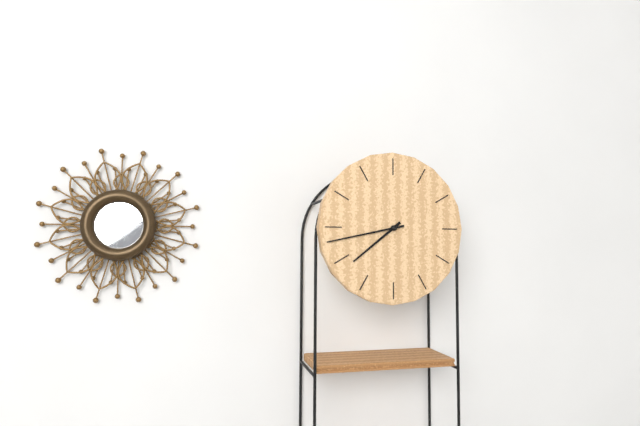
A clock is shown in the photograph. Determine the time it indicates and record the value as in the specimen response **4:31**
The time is **7:43**
